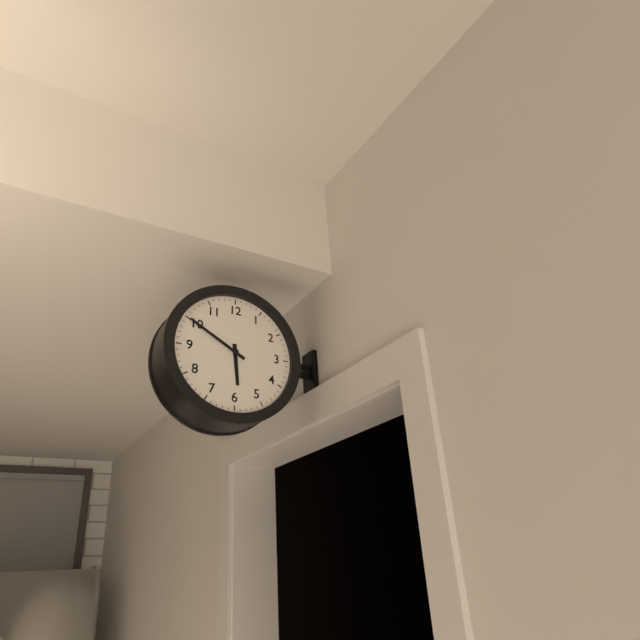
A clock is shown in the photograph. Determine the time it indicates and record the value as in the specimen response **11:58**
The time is **5:50**
